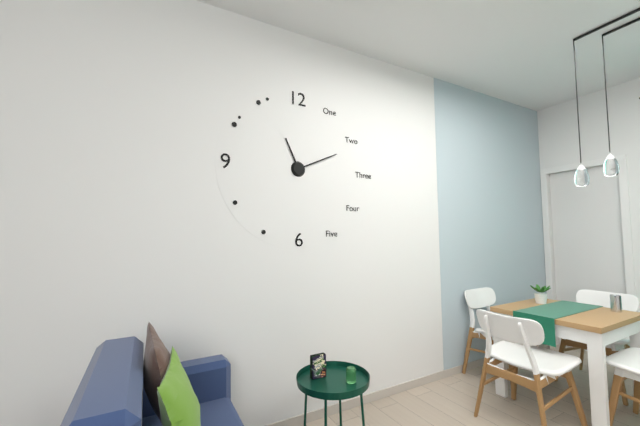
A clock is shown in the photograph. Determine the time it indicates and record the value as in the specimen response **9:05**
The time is **11:11**
